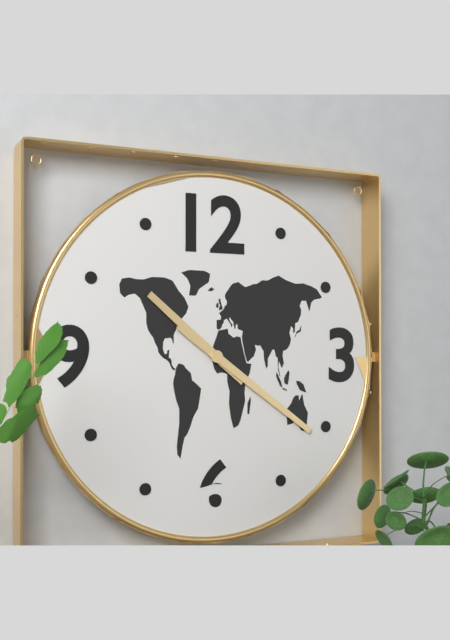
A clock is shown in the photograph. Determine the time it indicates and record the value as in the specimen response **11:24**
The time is **10:21**
